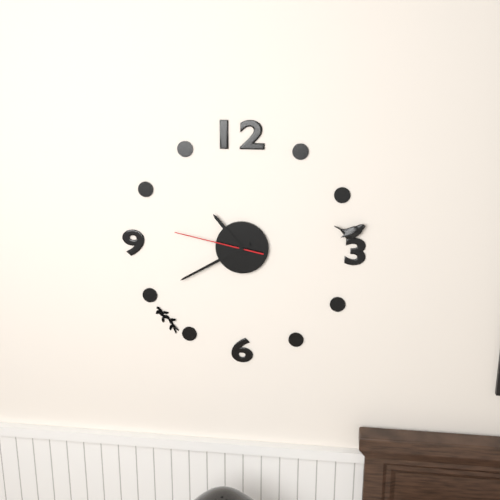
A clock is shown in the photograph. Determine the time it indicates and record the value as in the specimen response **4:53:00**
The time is **10:40:47**
